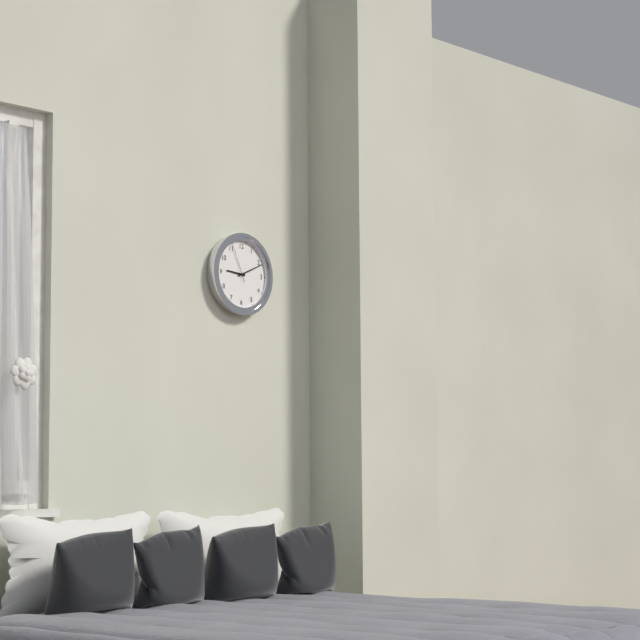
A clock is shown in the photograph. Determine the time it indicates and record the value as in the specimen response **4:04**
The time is **9:11**
